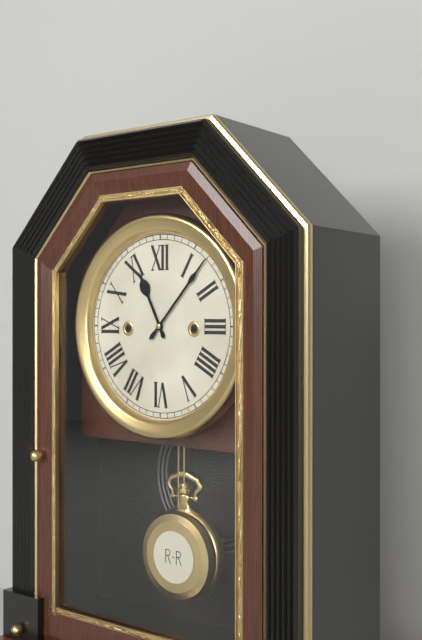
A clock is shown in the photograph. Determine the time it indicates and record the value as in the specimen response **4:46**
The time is **11:07**
